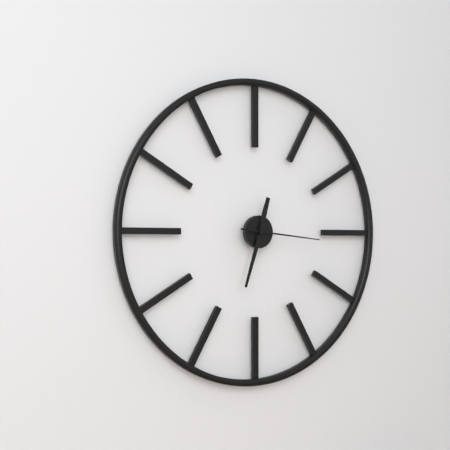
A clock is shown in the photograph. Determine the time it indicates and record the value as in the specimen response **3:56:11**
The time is **12:33:16**
